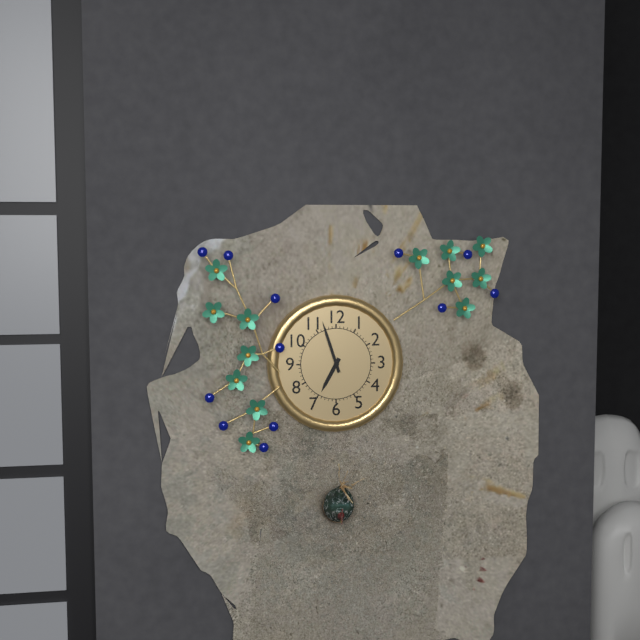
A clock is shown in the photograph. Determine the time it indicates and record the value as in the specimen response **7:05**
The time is **6:57**
